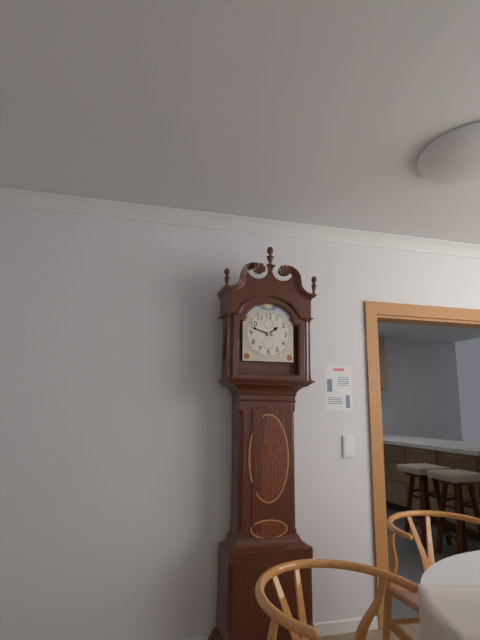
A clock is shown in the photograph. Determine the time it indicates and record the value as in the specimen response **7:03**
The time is **1:48**
